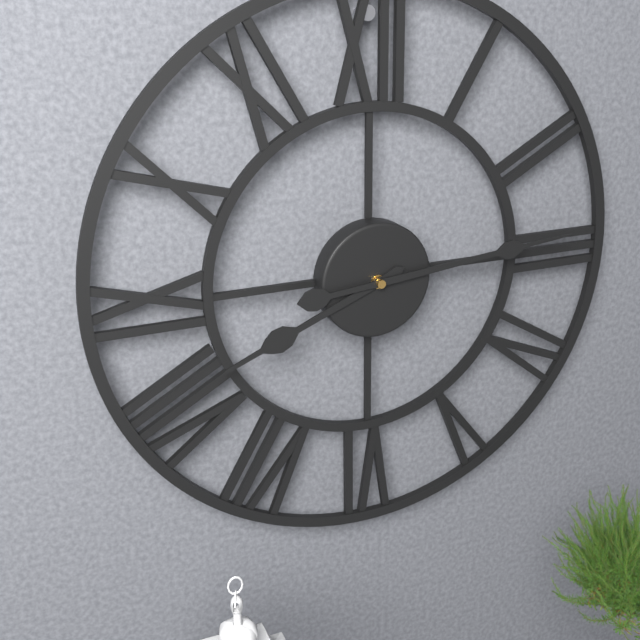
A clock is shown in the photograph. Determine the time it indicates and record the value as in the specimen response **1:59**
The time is **8:14**
